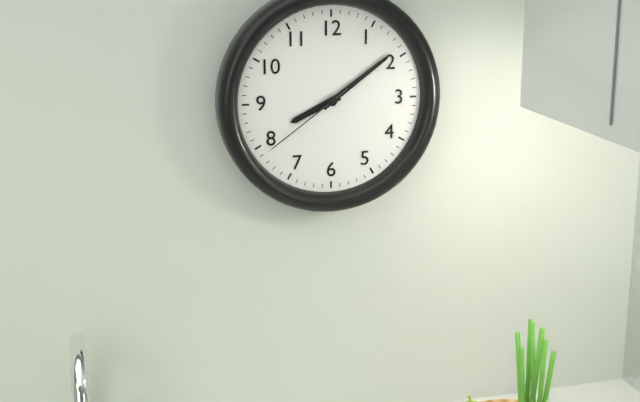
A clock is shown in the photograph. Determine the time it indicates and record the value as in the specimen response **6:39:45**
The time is **8:09:39**
